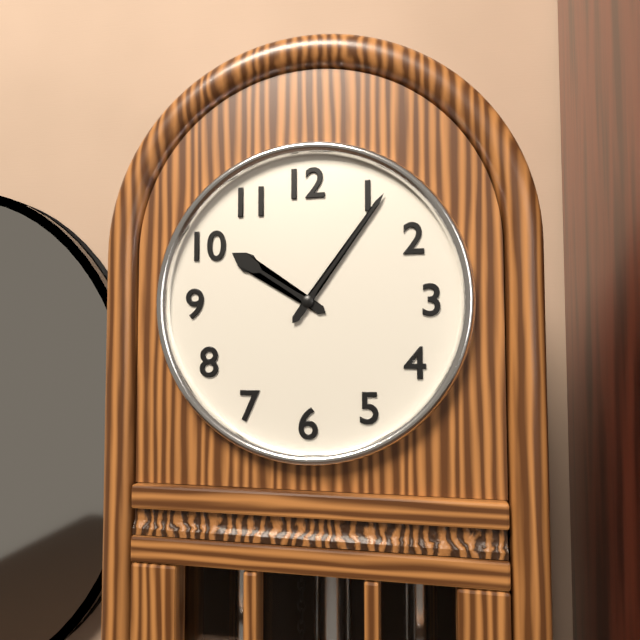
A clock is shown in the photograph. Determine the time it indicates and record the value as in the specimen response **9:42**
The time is **10:06**
